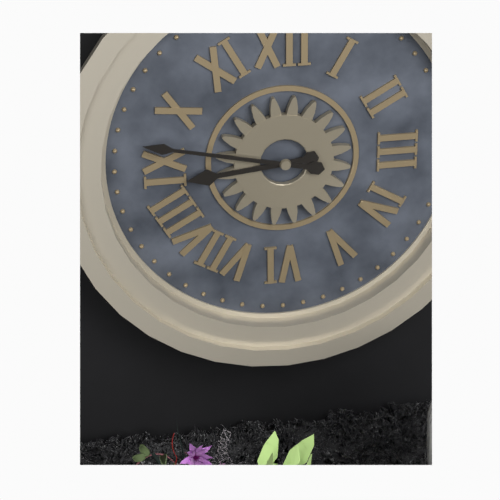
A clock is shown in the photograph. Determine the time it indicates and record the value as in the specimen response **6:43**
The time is **8:47**
